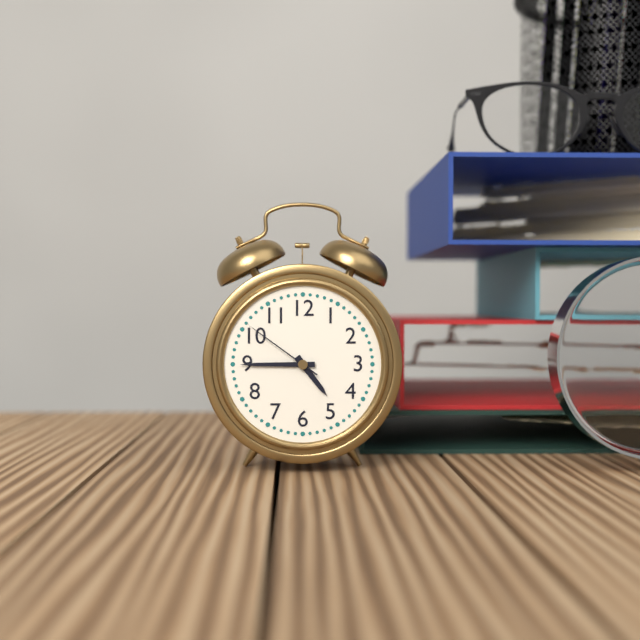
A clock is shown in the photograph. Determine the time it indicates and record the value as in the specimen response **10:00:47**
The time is **4:45:51**
